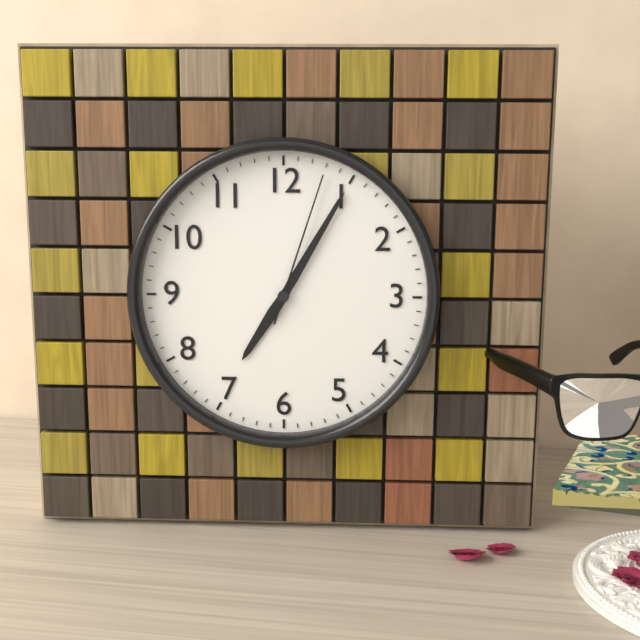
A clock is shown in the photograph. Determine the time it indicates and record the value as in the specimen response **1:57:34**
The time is **7:05:03**
